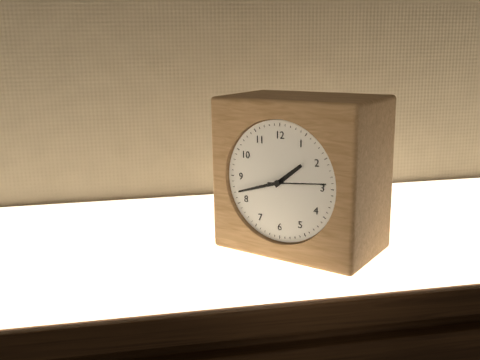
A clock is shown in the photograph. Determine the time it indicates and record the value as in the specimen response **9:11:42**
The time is **1:42:14**
